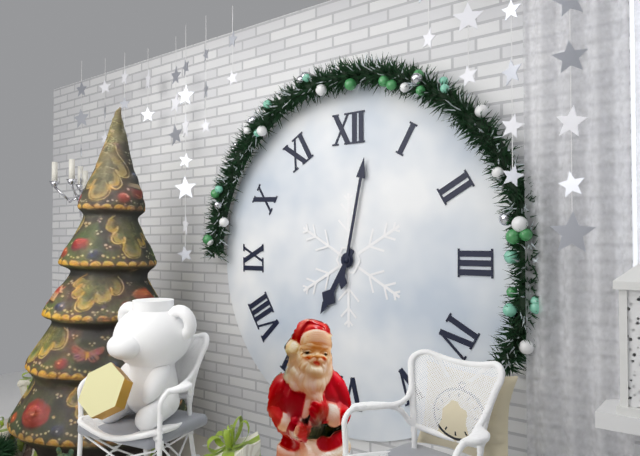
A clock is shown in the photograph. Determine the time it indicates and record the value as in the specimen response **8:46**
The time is **7:02**
